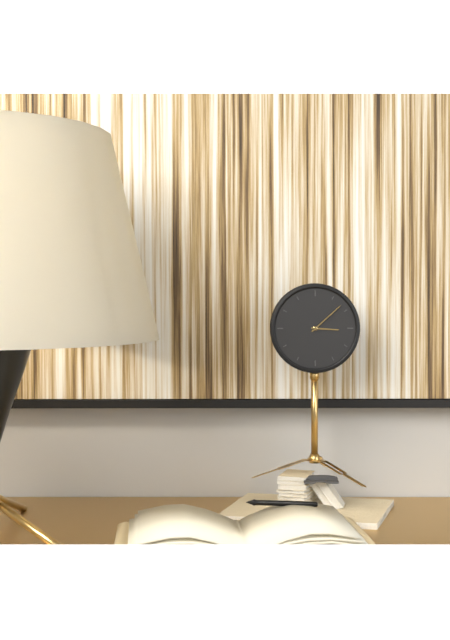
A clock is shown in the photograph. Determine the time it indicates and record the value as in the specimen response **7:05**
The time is **3:08**
